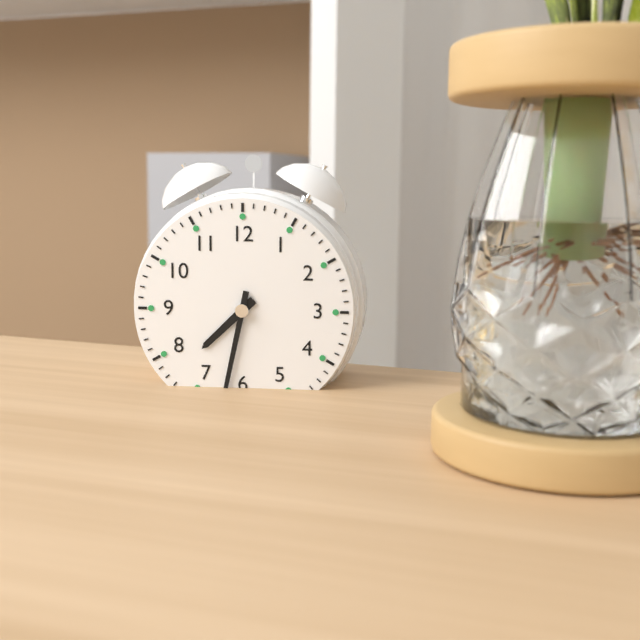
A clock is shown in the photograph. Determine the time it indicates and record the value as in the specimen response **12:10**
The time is **7:32**
